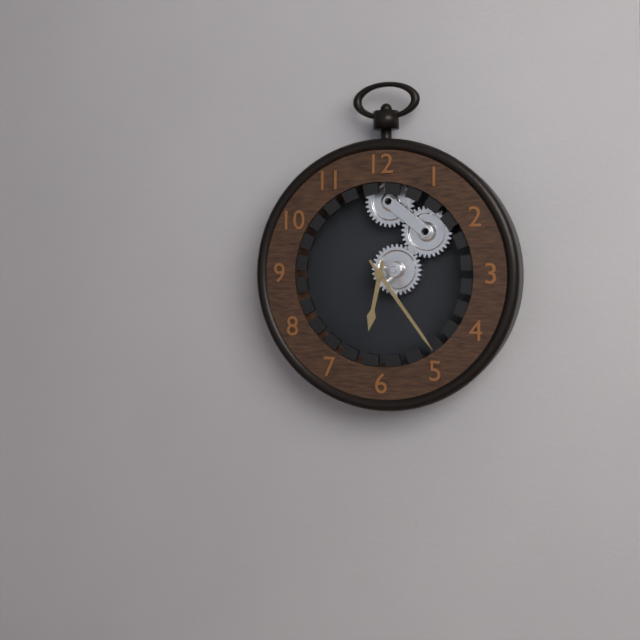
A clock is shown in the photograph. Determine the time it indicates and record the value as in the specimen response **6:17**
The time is **6:24**
